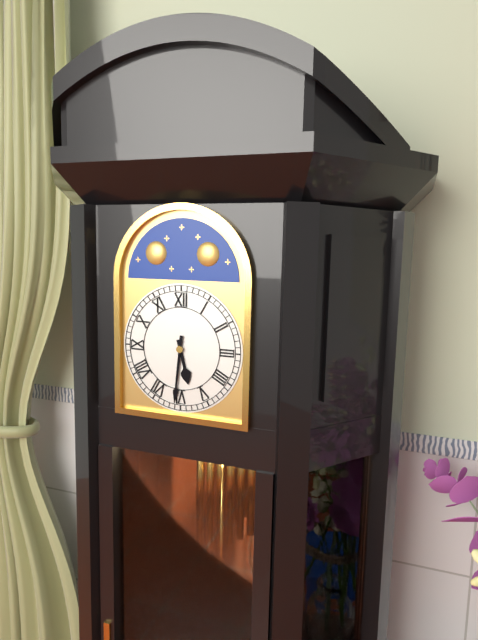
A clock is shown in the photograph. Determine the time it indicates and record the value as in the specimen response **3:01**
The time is **5:31**
